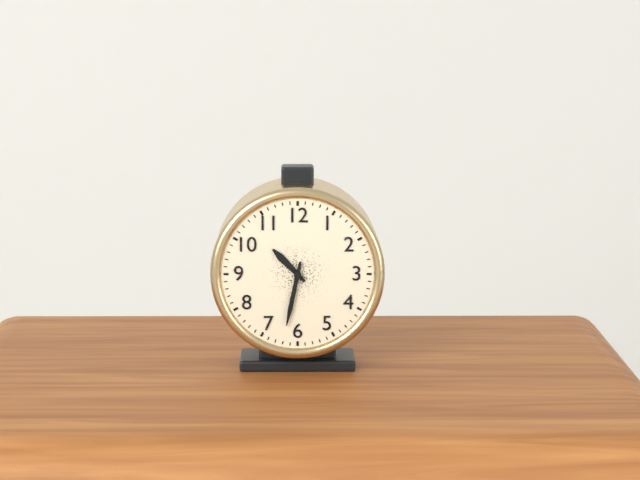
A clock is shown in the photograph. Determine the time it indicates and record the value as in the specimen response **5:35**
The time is **10:32**
